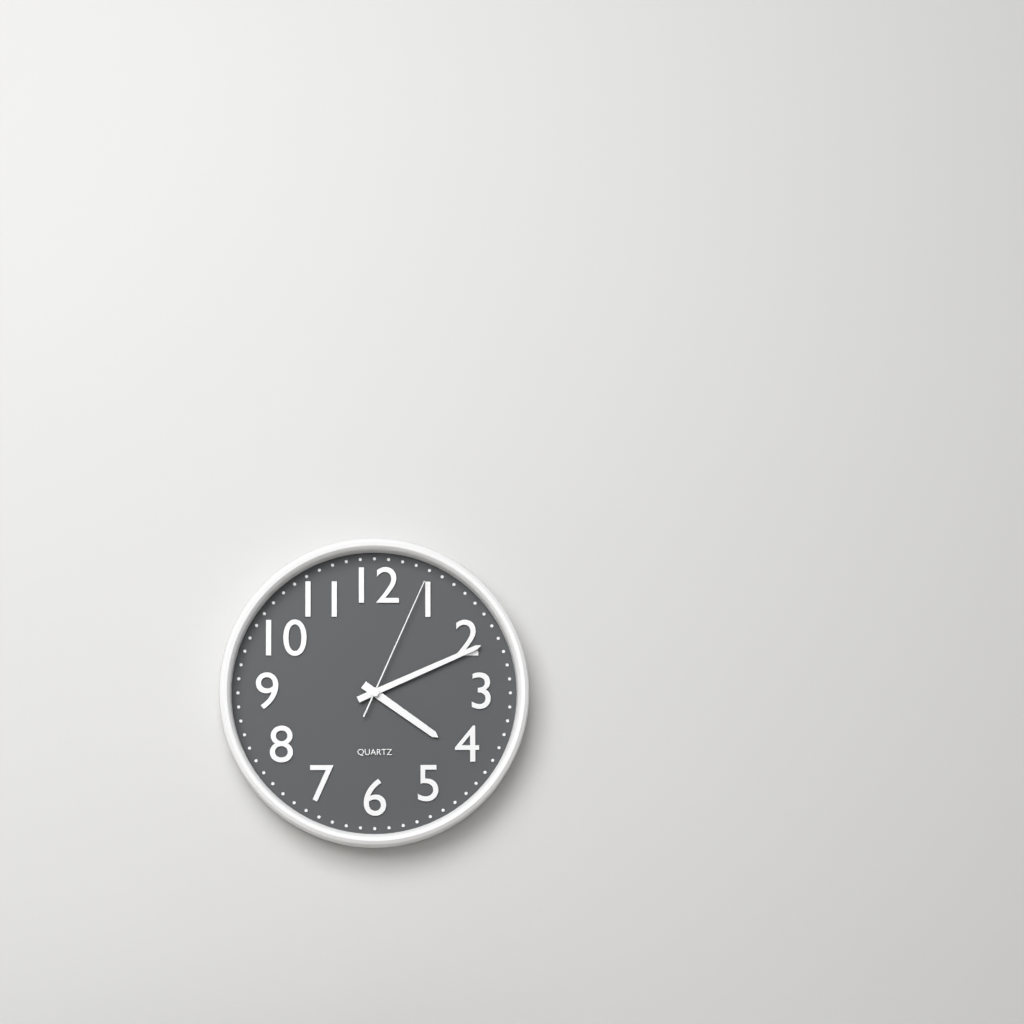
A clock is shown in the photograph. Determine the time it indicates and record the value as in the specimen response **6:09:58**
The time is **4:11:04**
